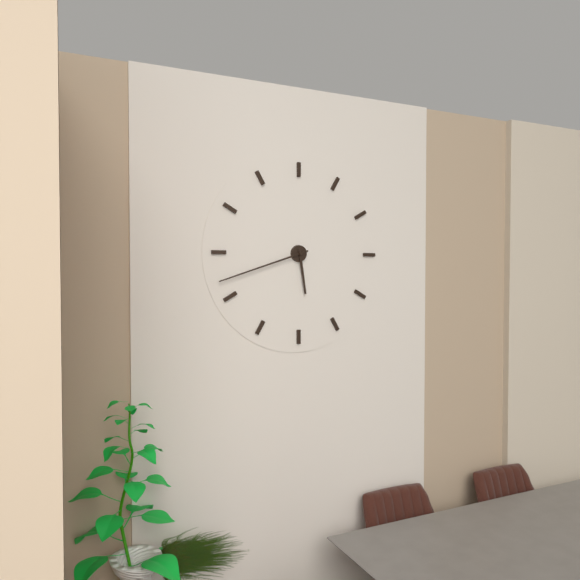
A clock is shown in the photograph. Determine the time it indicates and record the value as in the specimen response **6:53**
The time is **5:42**
